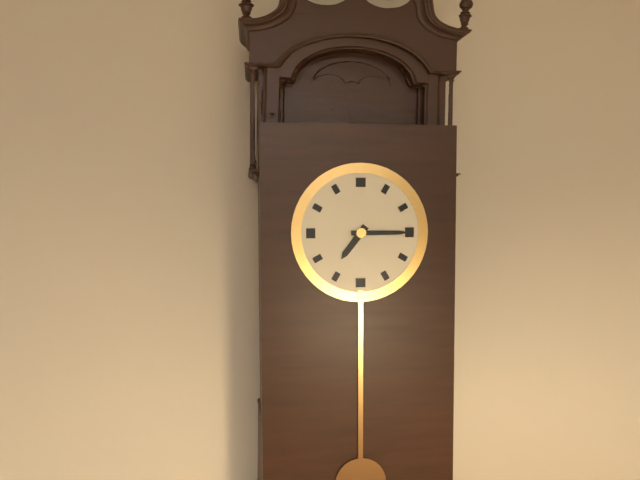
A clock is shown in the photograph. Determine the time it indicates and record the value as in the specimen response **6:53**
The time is **7:15**
